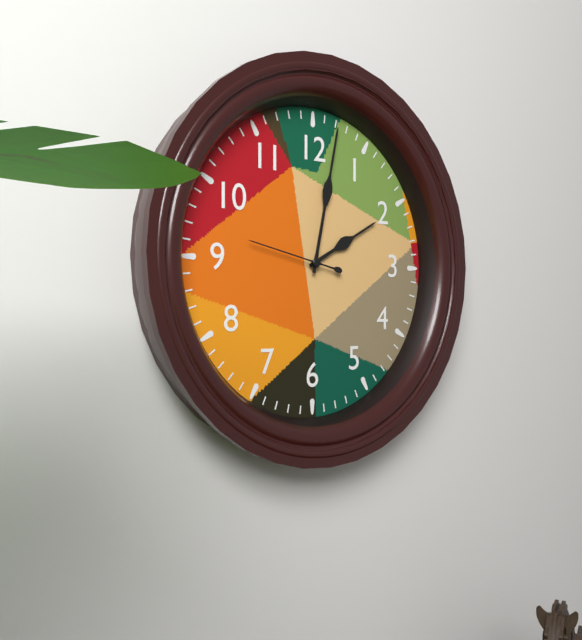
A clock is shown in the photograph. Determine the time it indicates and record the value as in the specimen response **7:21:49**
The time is **2:02:47**
